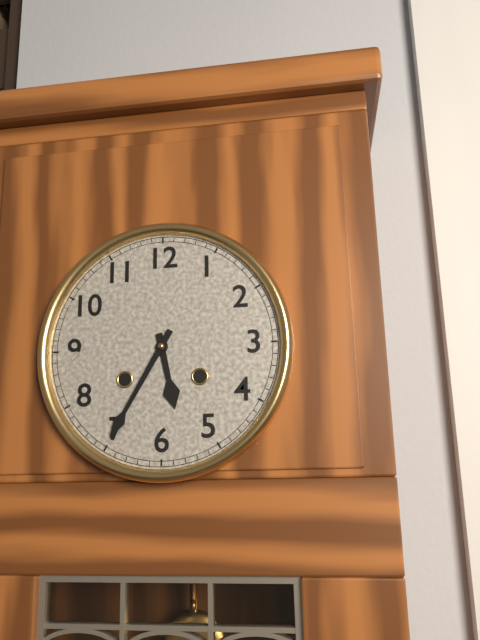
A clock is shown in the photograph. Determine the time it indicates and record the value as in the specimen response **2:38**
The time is **5:35**
